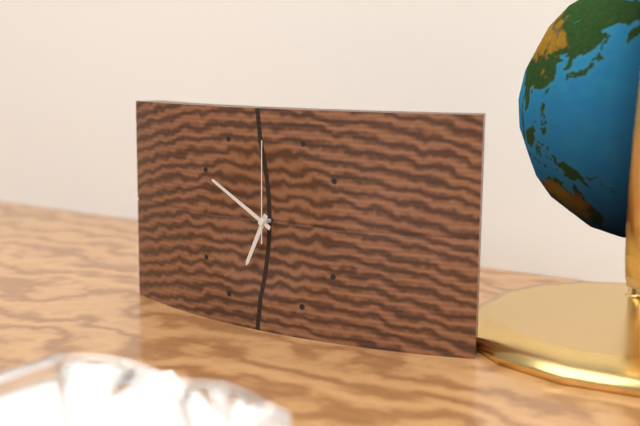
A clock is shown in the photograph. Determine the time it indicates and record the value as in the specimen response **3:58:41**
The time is **6:50:00**
